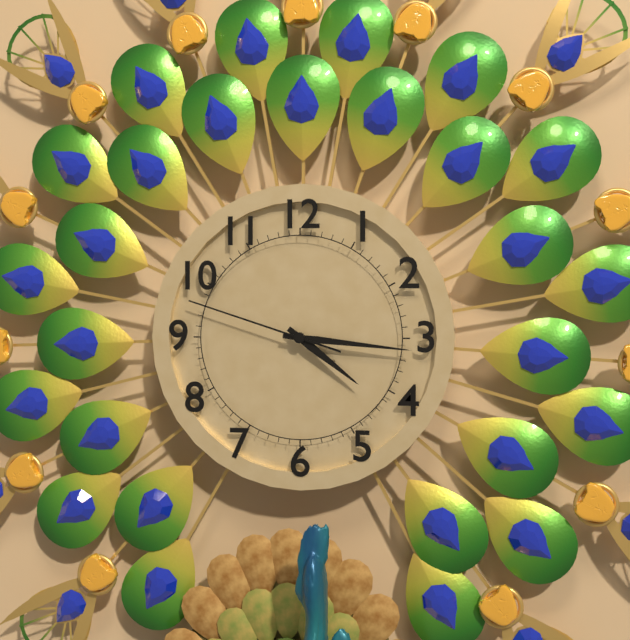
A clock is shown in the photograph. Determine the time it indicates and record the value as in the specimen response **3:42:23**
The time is **4:16:48**
